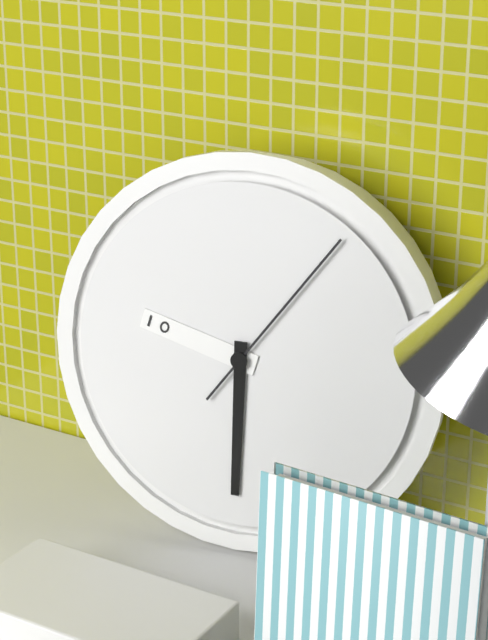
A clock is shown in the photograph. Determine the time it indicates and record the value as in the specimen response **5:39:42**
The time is **9:30:06**
